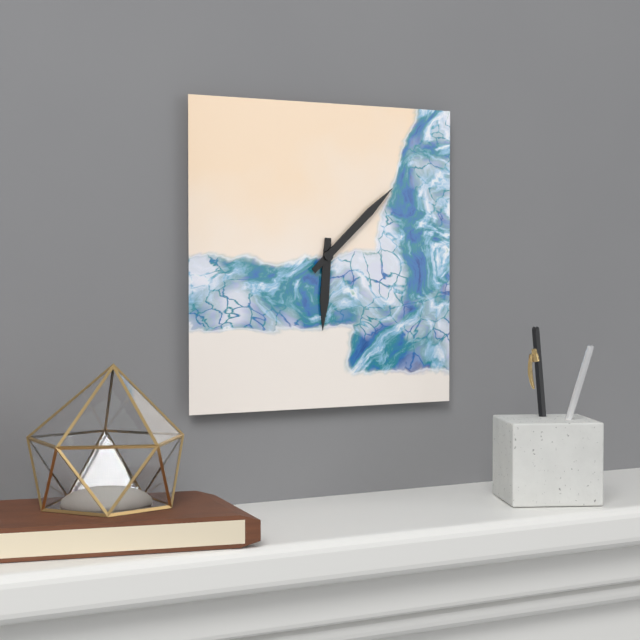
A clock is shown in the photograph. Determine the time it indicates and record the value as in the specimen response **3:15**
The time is **6:08**
